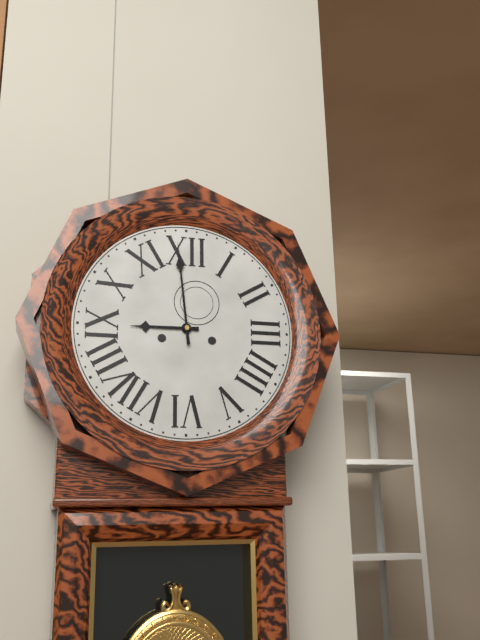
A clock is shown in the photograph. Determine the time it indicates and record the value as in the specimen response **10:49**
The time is **8:59**
